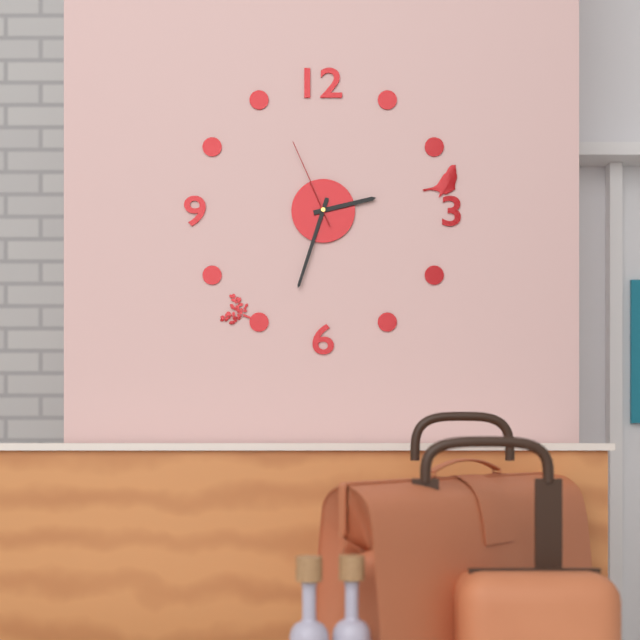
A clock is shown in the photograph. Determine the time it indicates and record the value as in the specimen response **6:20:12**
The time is **2:33:56**
